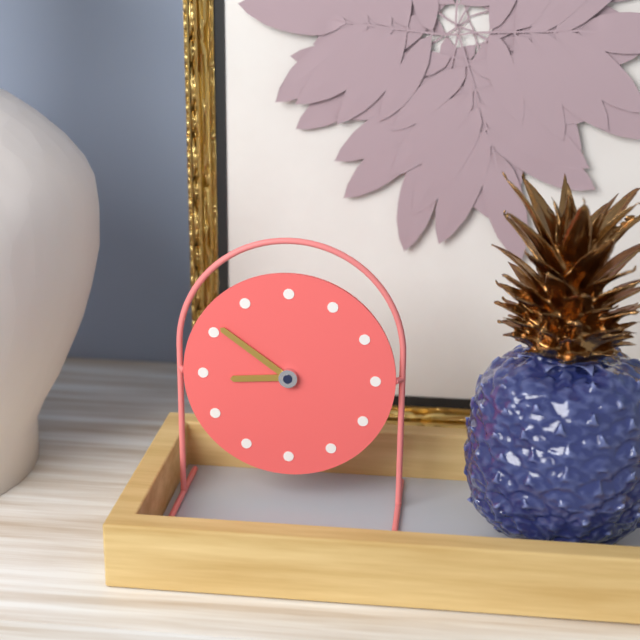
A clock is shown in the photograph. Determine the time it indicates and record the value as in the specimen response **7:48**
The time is **8:51**
